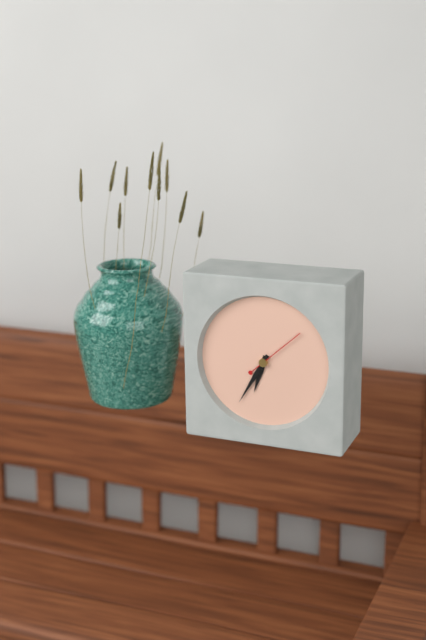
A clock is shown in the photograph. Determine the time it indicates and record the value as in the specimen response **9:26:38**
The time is **6:35:08**
